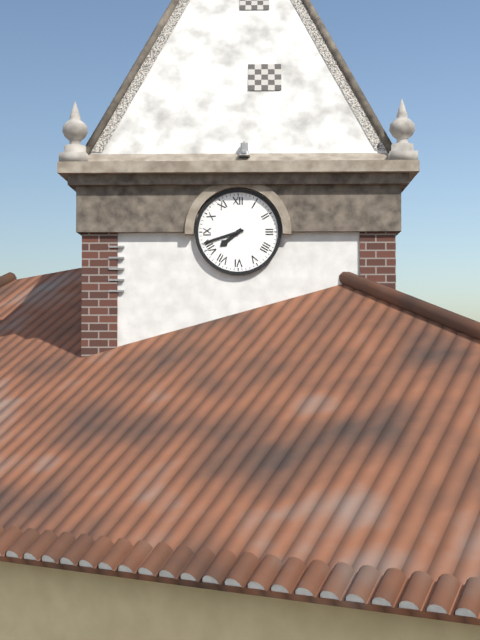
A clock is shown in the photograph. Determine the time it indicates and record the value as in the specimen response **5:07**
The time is **7:42**
